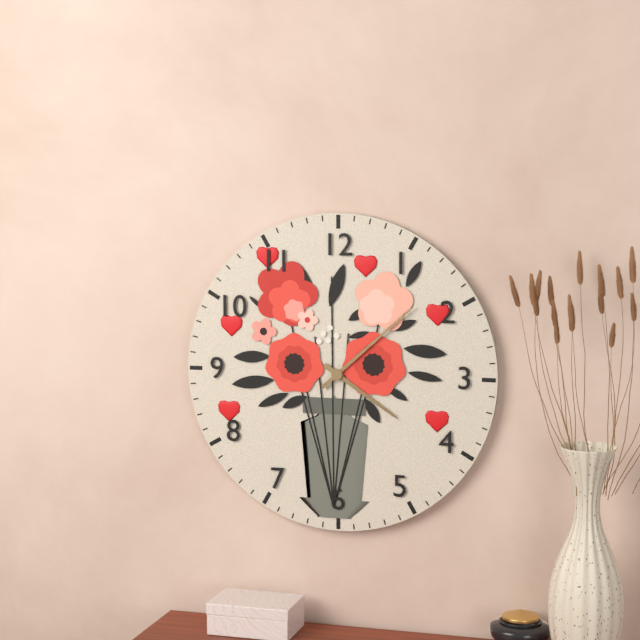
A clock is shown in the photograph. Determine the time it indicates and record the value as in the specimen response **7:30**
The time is **4:08**
